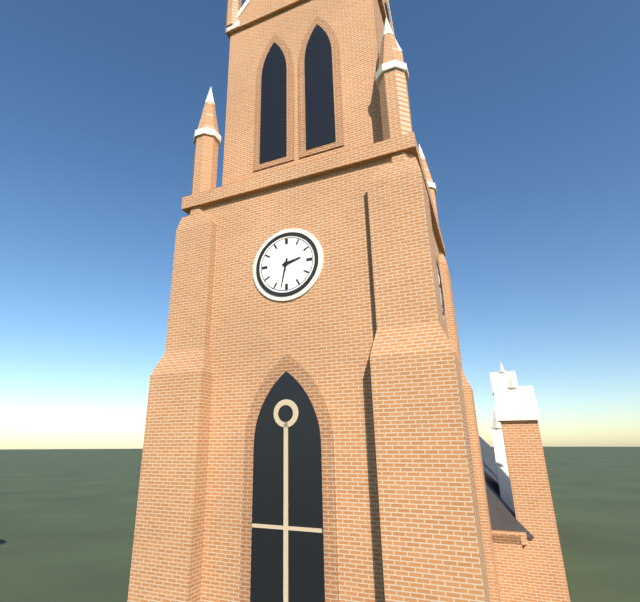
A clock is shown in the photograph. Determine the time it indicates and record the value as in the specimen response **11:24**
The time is **2:32**
